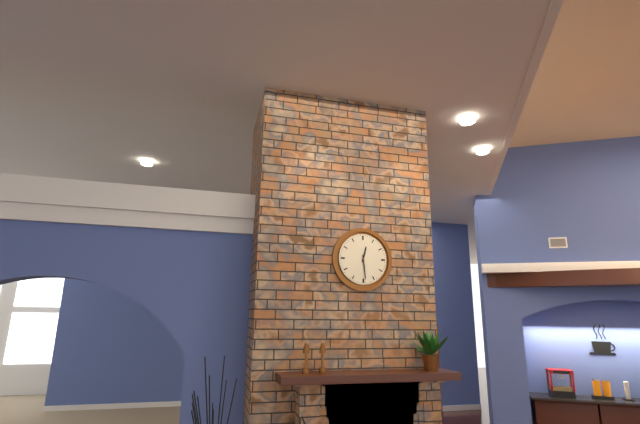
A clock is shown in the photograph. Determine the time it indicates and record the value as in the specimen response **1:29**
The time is **12:29**
